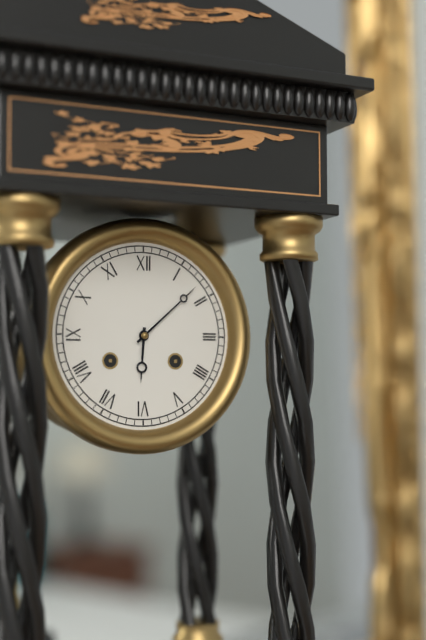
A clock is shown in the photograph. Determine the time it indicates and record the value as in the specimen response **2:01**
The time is **6:08**
